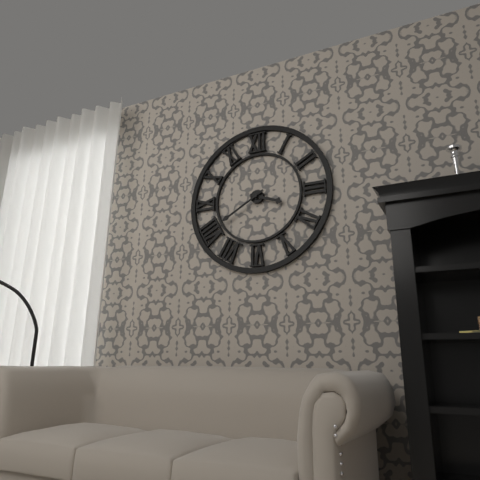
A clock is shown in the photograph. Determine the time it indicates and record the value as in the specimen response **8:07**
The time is **3:40**
